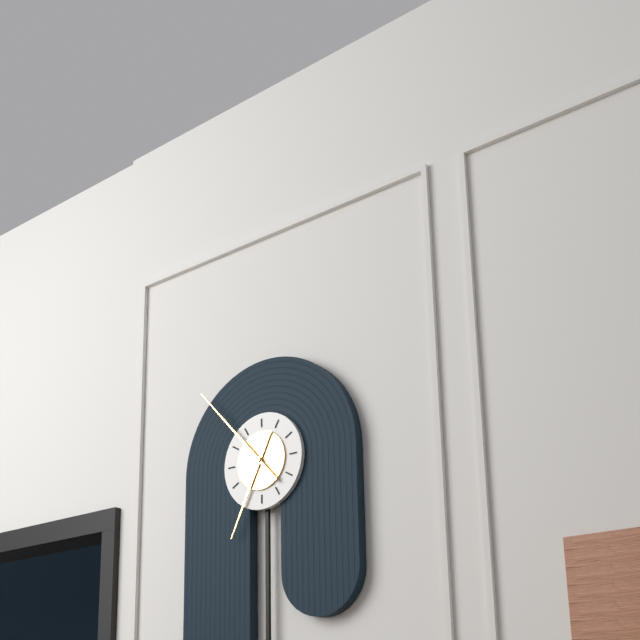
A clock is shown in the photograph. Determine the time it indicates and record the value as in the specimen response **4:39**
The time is **6:53**
